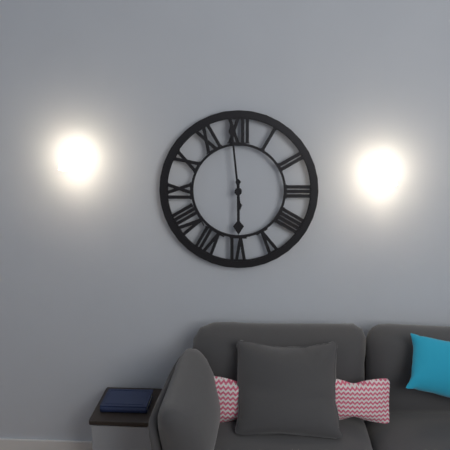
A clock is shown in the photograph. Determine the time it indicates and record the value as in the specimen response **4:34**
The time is **5:59**
